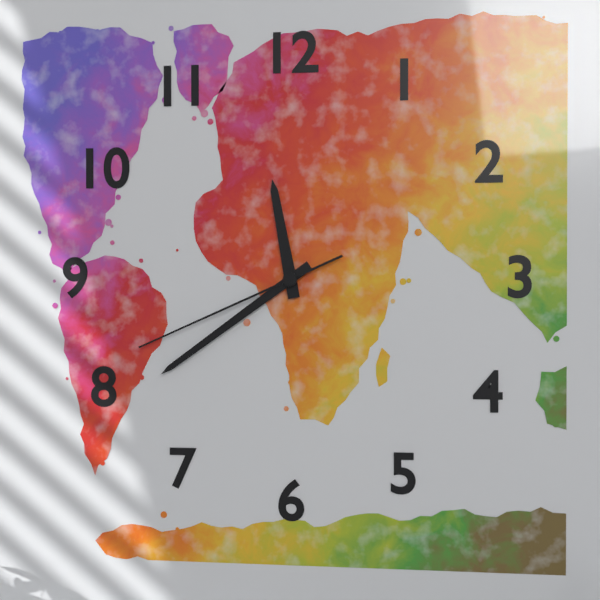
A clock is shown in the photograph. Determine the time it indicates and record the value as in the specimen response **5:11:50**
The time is **11:39:41**
